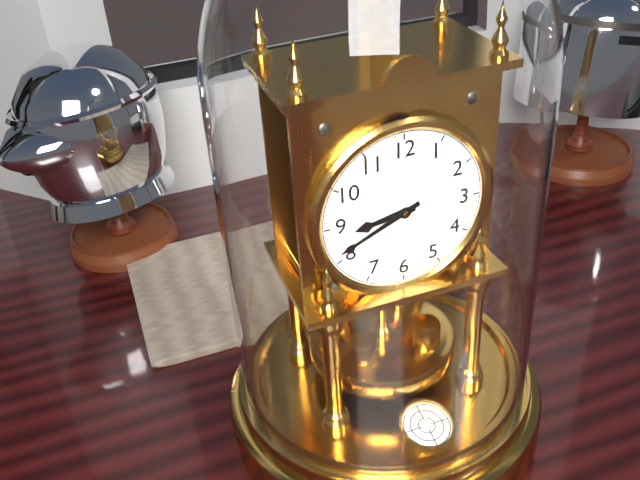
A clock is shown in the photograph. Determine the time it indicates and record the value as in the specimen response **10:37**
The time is **8:41**
